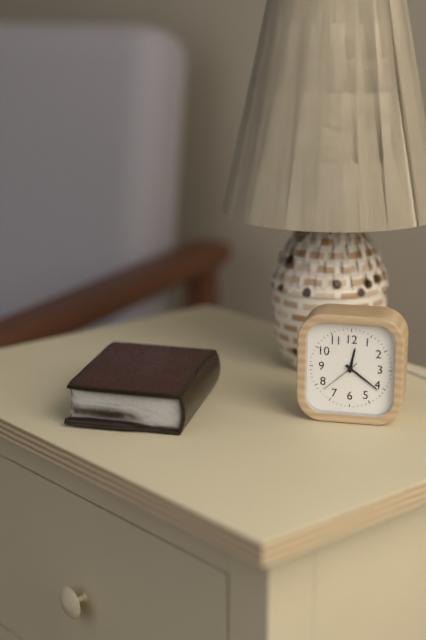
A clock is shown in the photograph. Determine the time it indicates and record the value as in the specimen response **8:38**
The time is **12:21**
